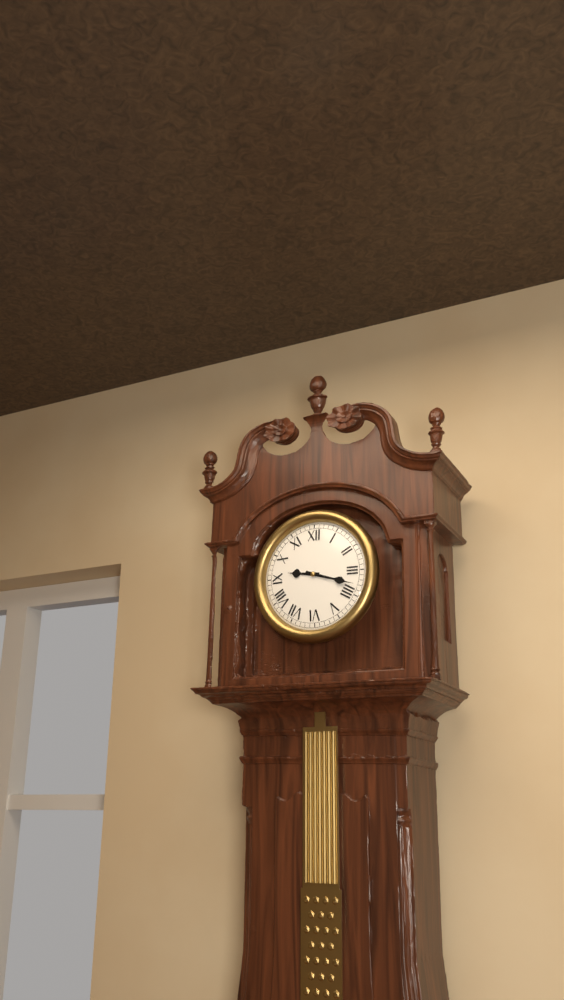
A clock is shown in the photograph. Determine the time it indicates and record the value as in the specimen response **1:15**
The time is **9:18**
